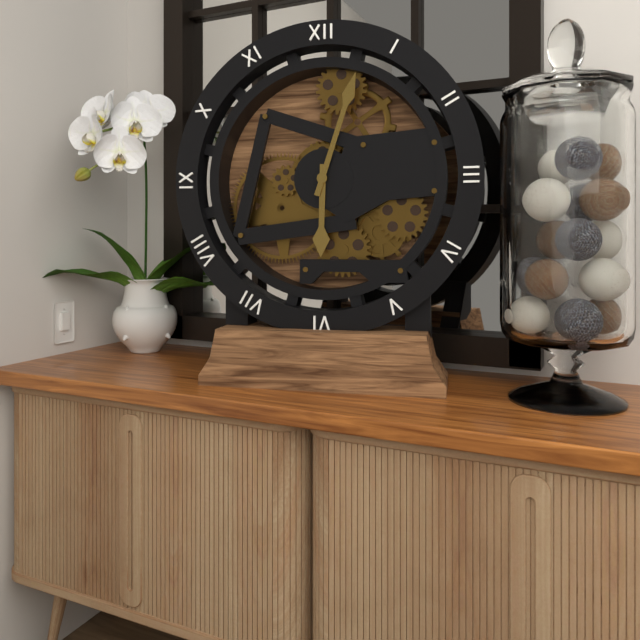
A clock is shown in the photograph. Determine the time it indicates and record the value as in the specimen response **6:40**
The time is **6:03**
